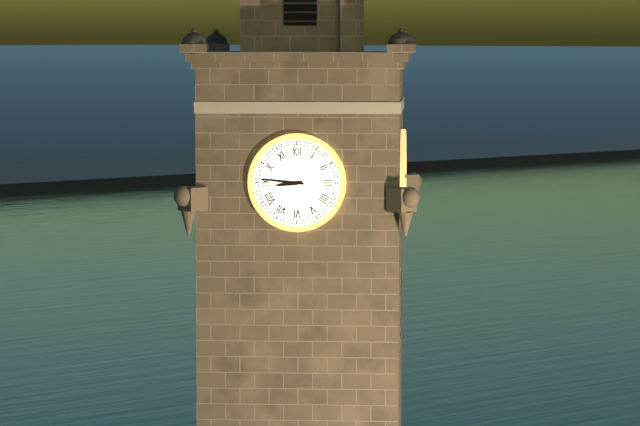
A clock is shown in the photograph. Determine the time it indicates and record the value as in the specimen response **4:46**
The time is **8:46**
